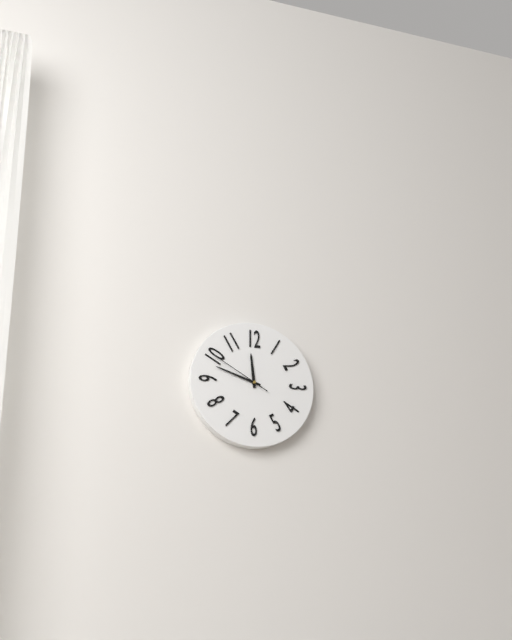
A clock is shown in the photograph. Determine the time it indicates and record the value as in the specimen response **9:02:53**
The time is **11:48:50**
